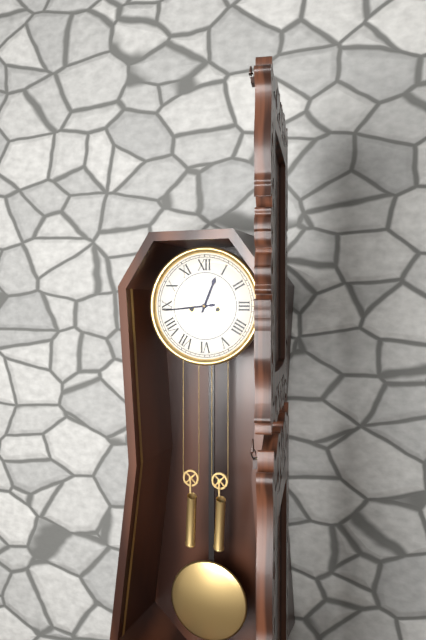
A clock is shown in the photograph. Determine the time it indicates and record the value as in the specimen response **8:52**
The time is **12:44**
